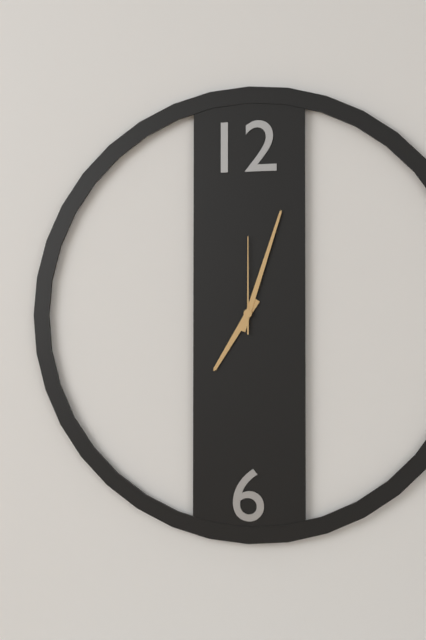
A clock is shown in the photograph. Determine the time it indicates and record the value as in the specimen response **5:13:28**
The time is **7:03:00**
